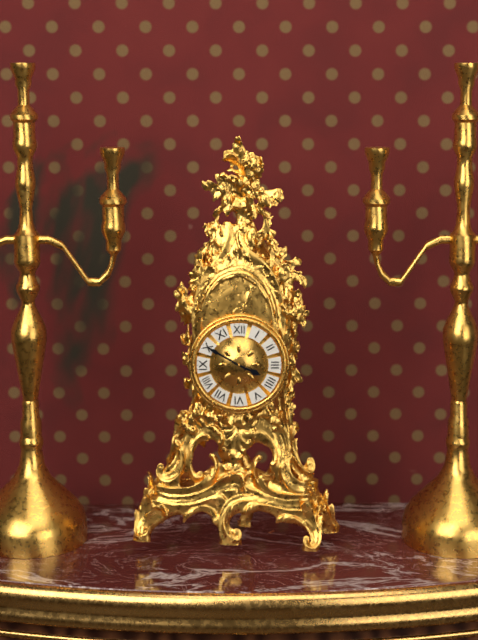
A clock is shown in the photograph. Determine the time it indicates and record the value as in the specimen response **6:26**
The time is **3:50**
